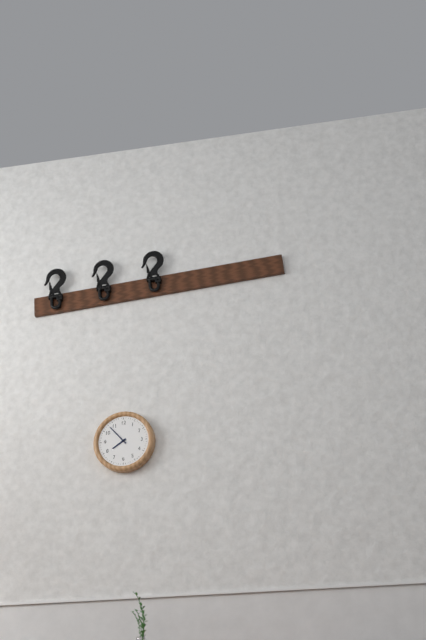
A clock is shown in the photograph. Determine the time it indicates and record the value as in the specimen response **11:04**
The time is **7:53**
